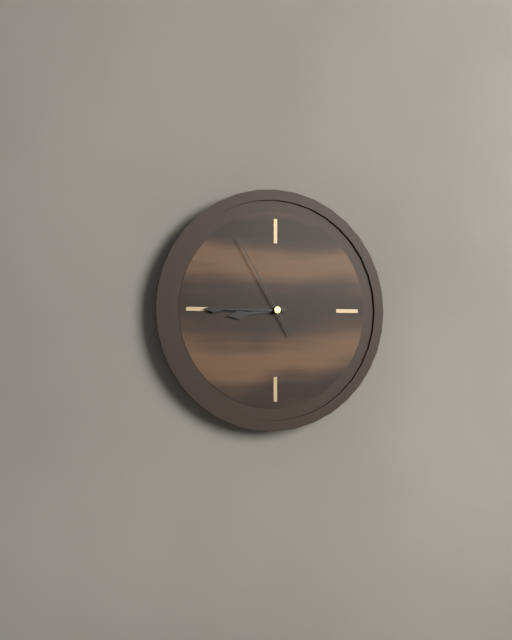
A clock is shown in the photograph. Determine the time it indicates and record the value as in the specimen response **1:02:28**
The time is **8:45:55**
